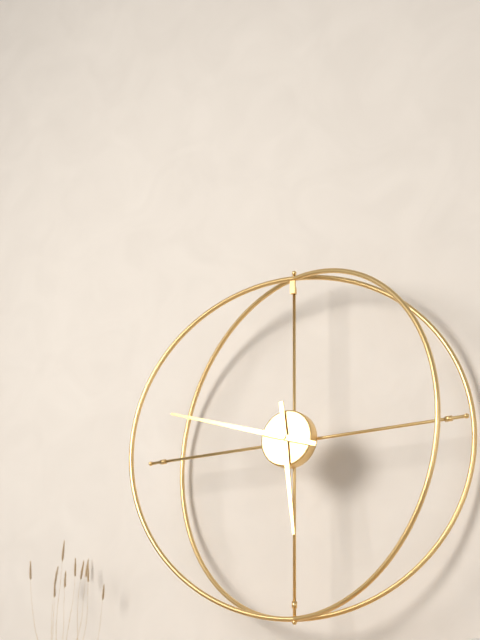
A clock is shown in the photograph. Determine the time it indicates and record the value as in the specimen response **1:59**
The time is **5:48**
